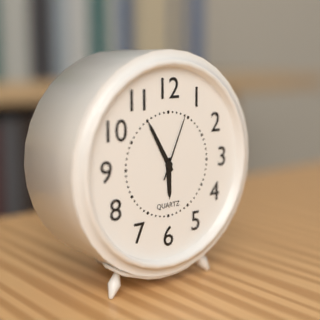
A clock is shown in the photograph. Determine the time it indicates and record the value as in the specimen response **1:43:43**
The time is **5:55:04**
